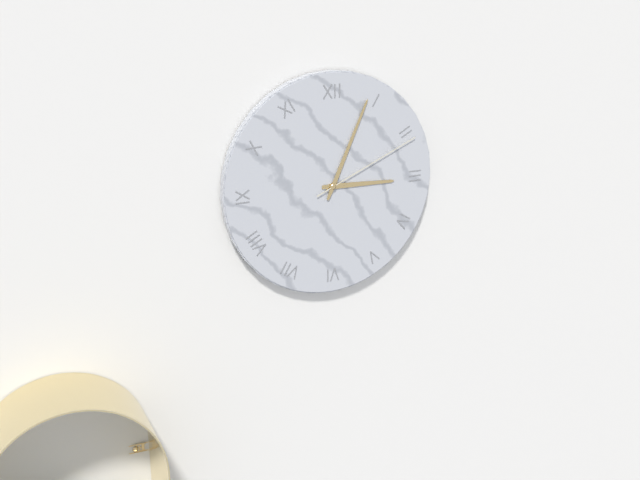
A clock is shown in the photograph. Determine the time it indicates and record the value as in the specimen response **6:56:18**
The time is **3:04:11**
